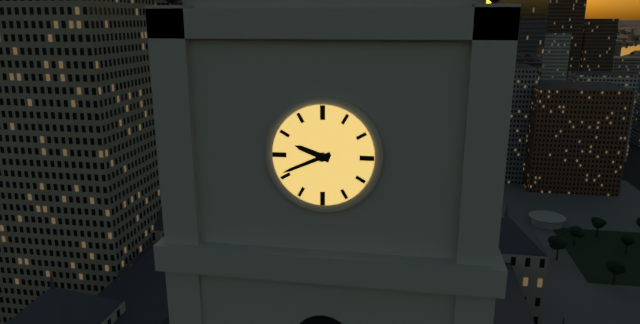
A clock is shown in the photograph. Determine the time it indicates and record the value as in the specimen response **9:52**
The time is **9:41**
